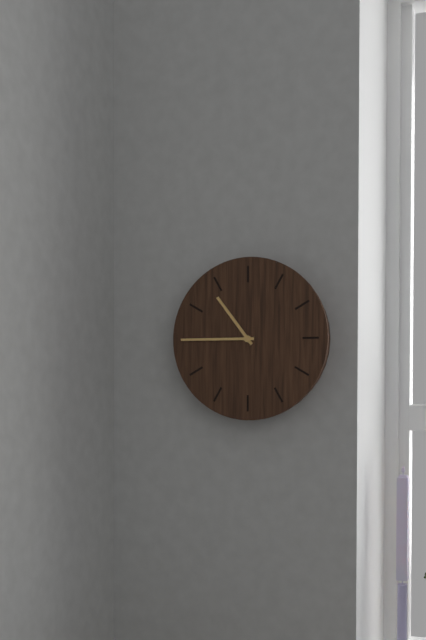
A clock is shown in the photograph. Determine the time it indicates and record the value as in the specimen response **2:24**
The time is **10:45**
